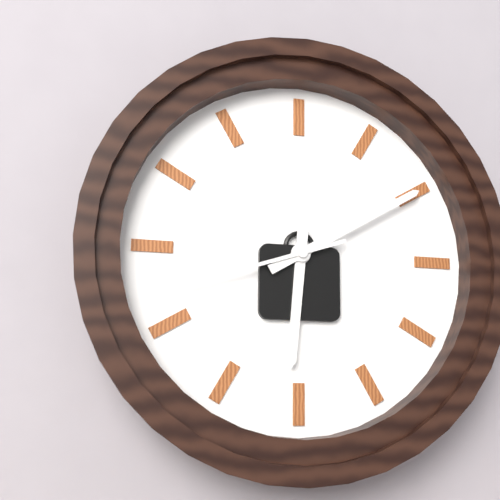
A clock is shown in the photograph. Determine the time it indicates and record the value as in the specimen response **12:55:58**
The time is **6:10:42**
